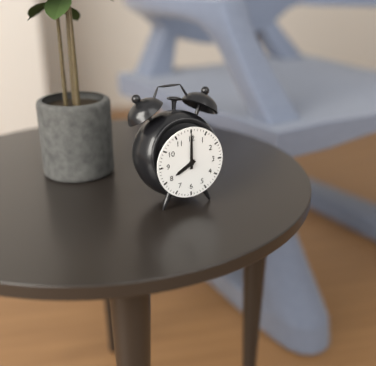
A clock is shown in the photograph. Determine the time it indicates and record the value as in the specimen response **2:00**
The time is **8:00**
